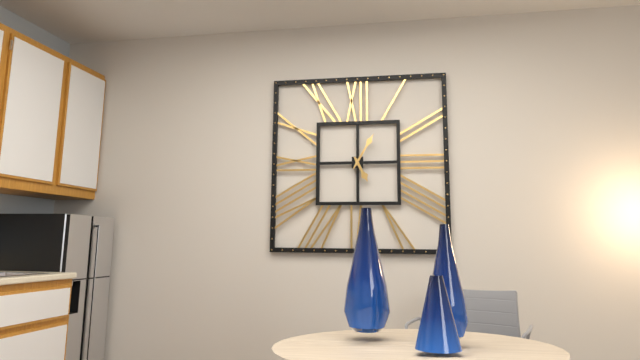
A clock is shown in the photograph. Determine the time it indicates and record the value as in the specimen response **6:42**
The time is **5:05**
